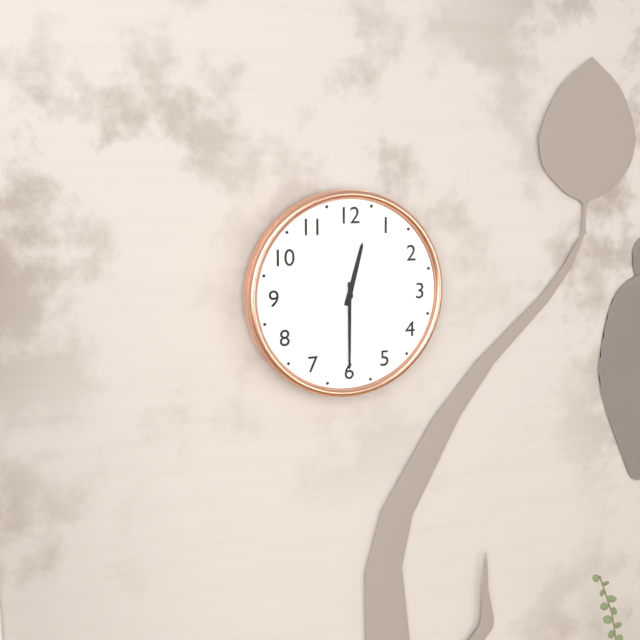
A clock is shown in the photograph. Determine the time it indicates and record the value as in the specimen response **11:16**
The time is **12:30**
